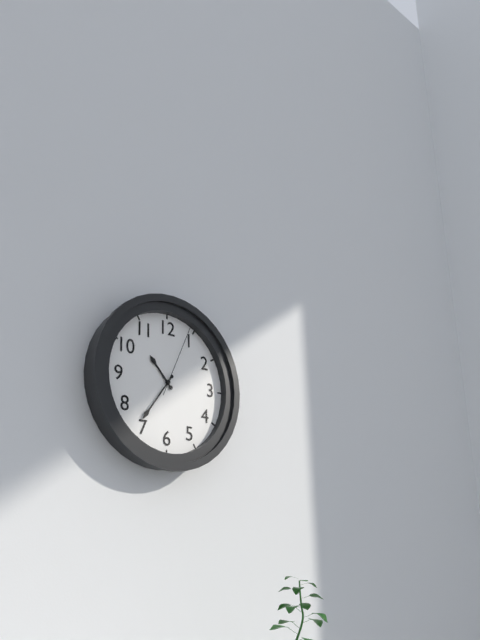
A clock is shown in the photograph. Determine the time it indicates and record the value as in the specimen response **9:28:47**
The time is **10:36:04**
